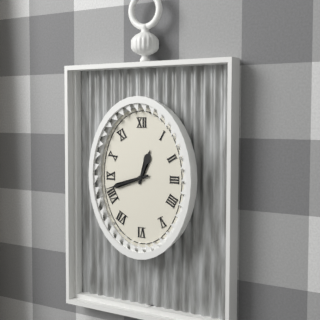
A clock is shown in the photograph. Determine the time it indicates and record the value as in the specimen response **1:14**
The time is **12:42**
